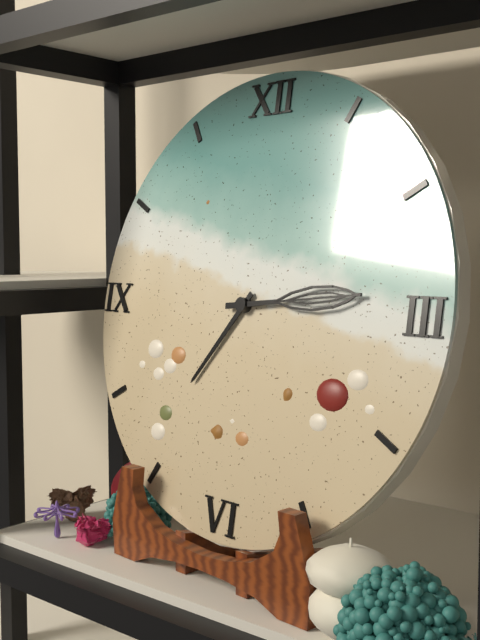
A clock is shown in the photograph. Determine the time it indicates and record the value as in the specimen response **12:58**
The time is **7:14**
